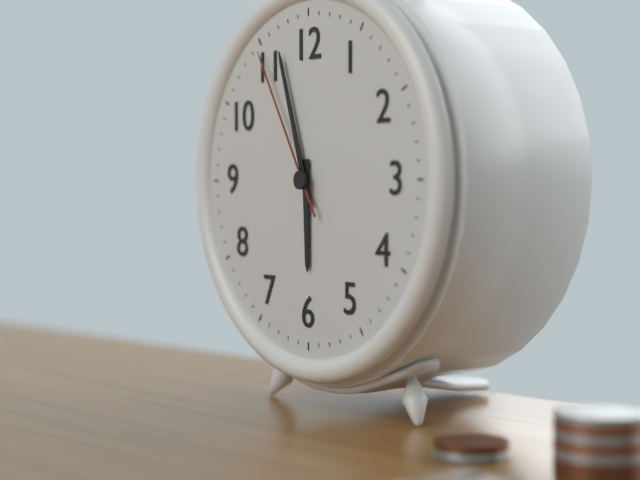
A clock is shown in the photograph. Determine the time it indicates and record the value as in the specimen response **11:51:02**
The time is **5:57:55**
